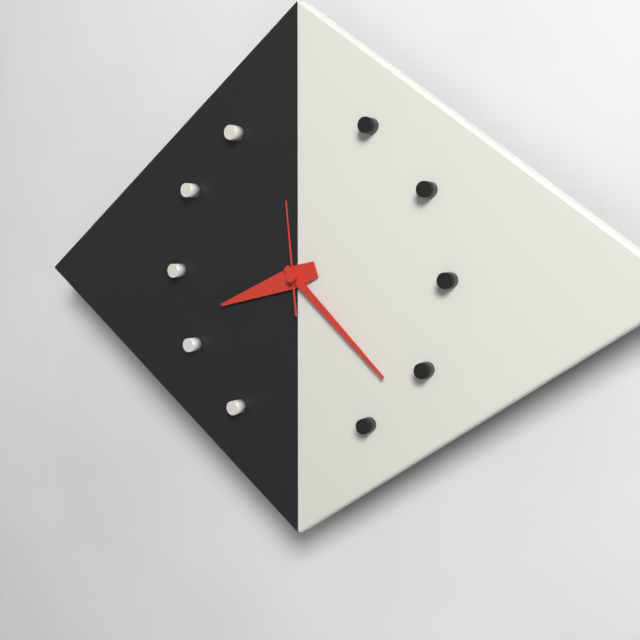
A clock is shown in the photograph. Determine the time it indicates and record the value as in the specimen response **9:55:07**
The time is **8:22:59**
